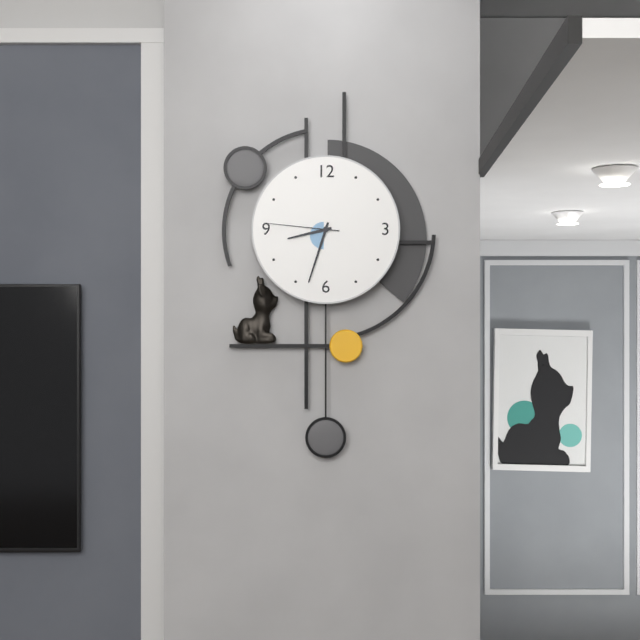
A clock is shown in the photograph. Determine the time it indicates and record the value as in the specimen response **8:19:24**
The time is **8:33:46**
